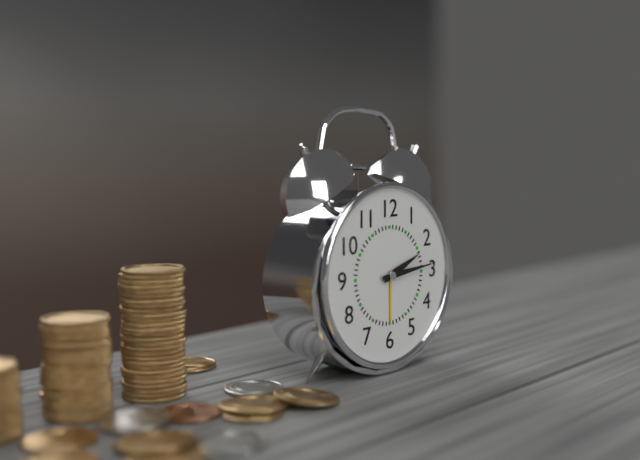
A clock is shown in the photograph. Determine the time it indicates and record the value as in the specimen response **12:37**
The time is **2:14**
